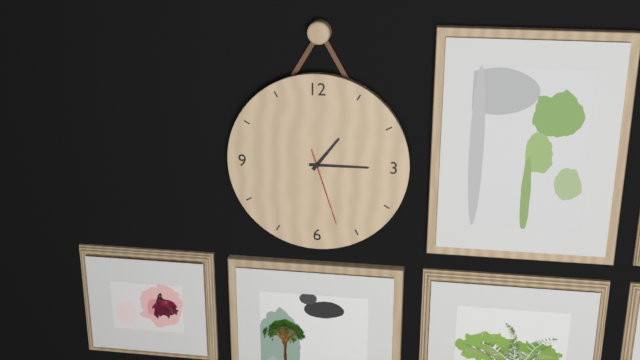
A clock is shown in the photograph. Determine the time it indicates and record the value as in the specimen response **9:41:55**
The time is **1:15:27**
